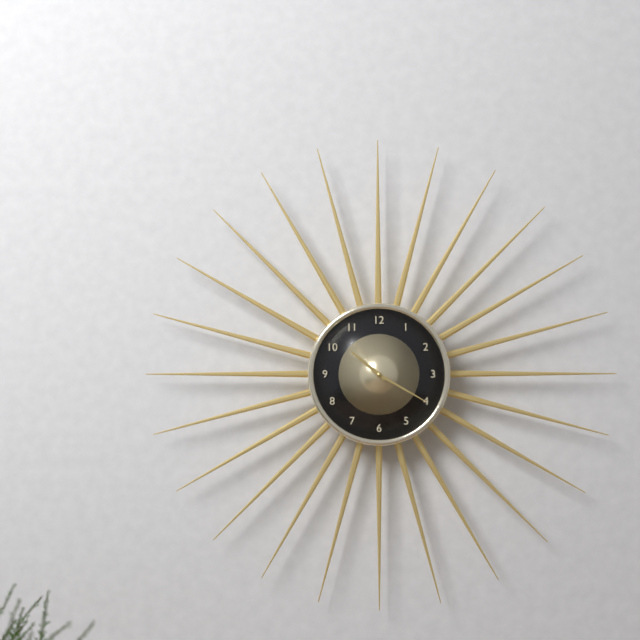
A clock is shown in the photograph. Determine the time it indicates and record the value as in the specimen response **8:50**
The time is **10:20**
